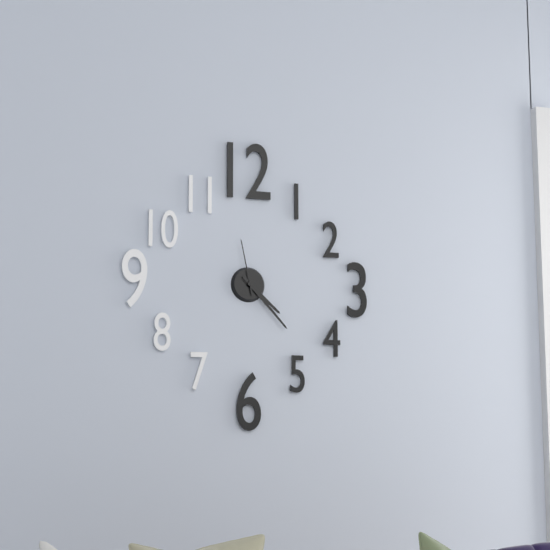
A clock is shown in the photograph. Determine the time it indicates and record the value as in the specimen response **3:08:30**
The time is **4:23:58**
